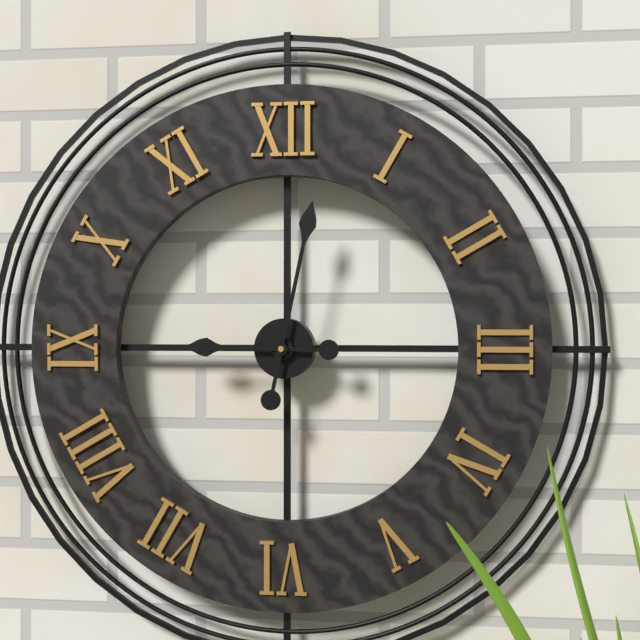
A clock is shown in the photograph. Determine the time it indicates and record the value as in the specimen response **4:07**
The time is **9:02**
